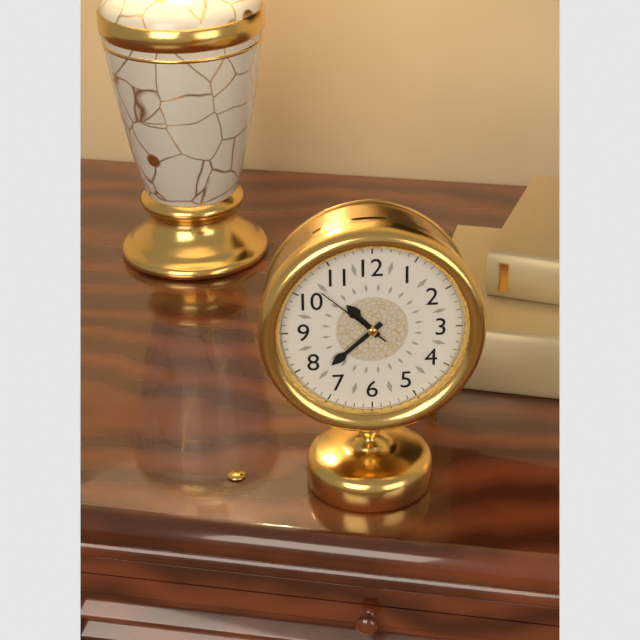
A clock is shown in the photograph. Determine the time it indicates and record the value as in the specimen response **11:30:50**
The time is **10:38:52**
